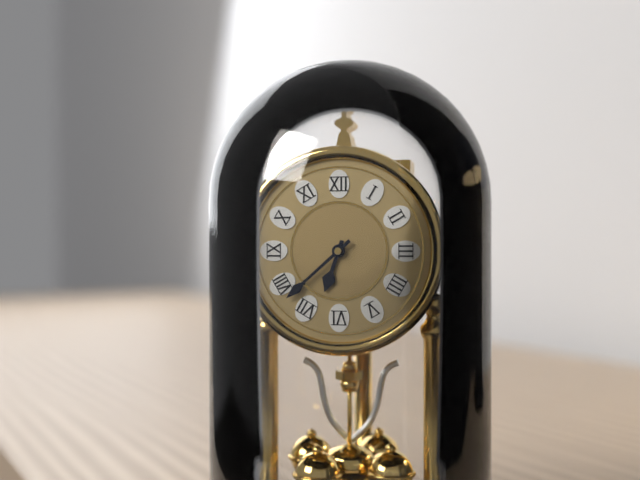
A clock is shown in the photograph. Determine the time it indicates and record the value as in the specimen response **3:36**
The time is **6:38**
